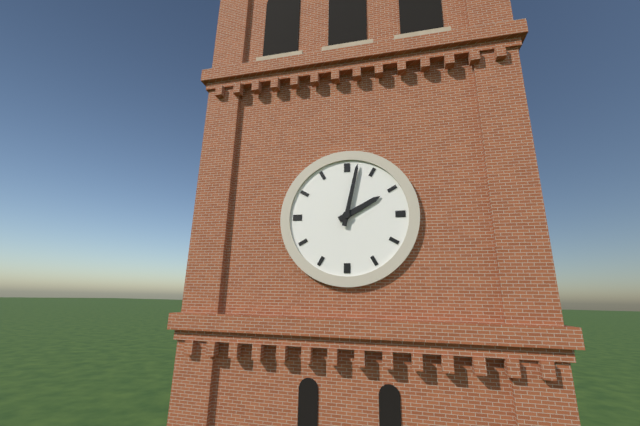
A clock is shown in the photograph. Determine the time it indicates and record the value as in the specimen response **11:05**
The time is **2:02**
